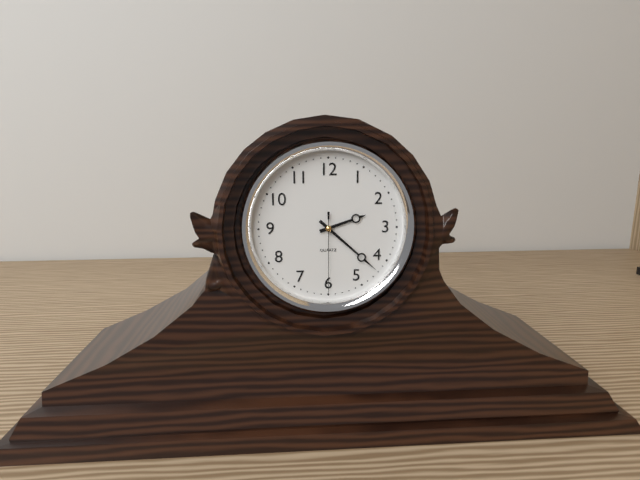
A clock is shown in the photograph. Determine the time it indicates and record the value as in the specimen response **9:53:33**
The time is **2:22:30**
